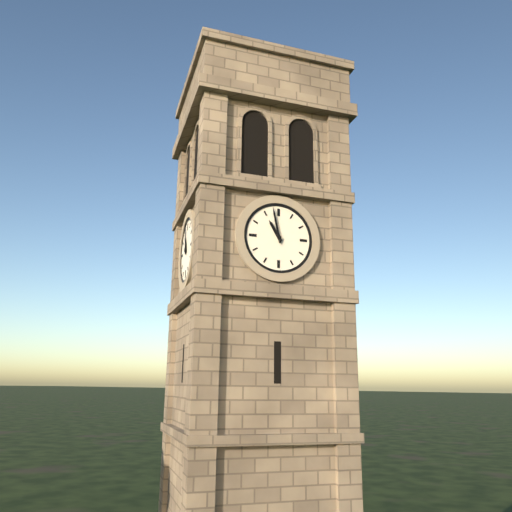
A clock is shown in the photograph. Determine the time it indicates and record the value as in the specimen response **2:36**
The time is **10:58**
